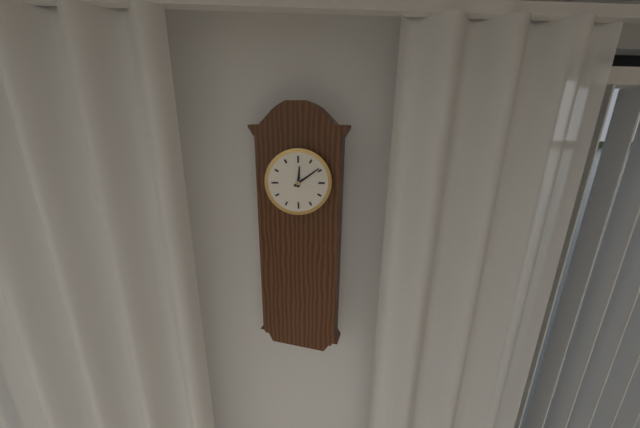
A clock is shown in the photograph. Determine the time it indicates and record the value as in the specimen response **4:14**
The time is **12:09**
